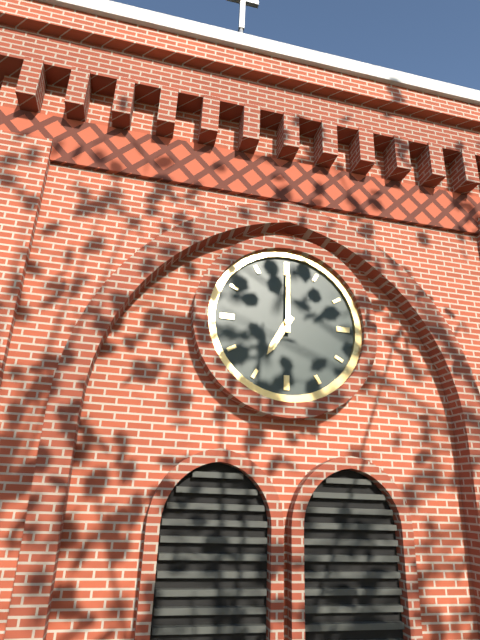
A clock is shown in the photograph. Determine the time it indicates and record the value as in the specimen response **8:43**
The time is **7:00**
